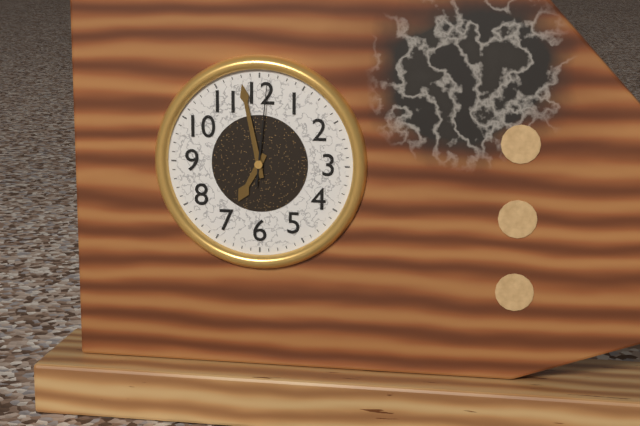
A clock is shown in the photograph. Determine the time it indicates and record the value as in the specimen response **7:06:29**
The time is **6:58:01**
